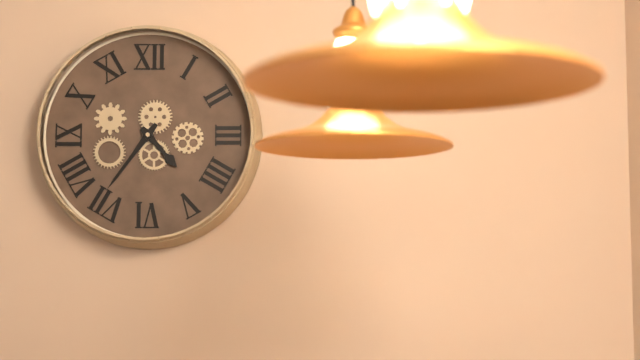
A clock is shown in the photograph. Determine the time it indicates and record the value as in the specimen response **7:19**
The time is **4:36**
